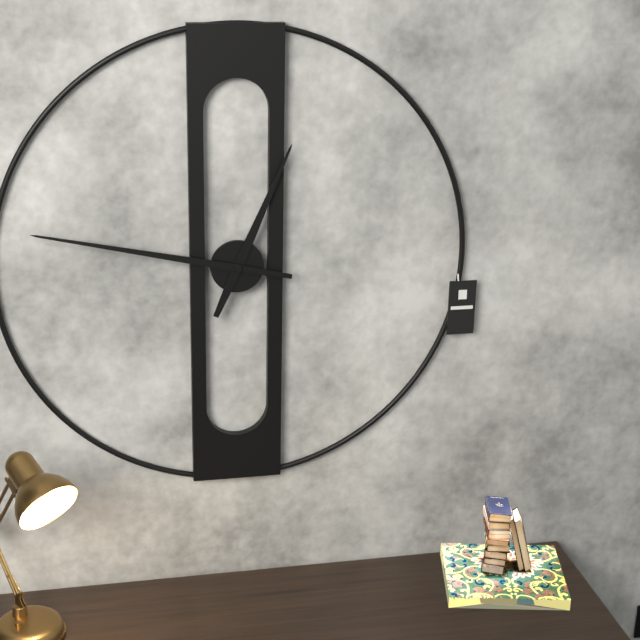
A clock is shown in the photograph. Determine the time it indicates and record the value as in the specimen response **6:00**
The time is **12:47**
